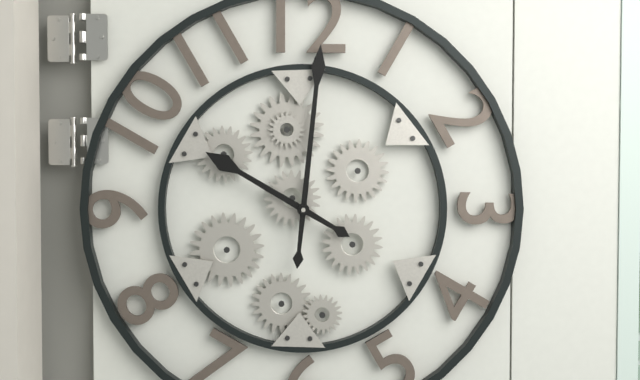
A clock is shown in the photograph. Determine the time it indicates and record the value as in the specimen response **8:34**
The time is **10:01**
